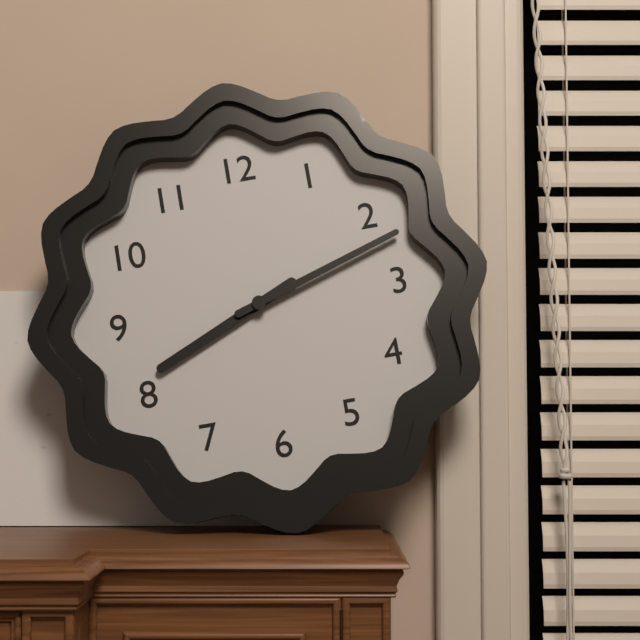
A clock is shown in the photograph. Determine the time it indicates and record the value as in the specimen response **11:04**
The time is **8:12**
